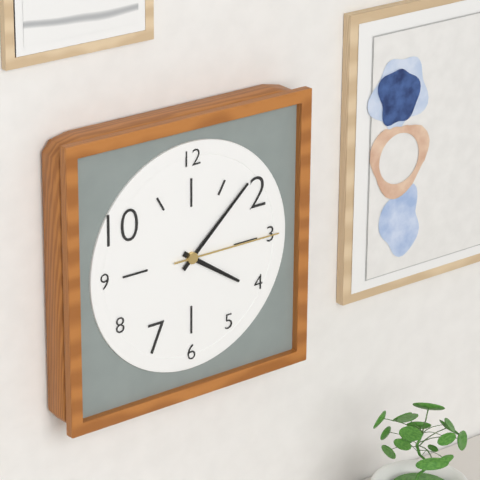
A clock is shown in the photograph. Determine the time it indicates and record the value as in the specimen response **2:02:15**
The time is **4:08:15**
